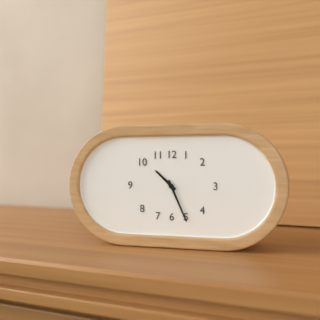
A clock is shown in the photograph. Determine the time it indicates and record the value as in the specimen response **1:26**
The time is **10:26**
